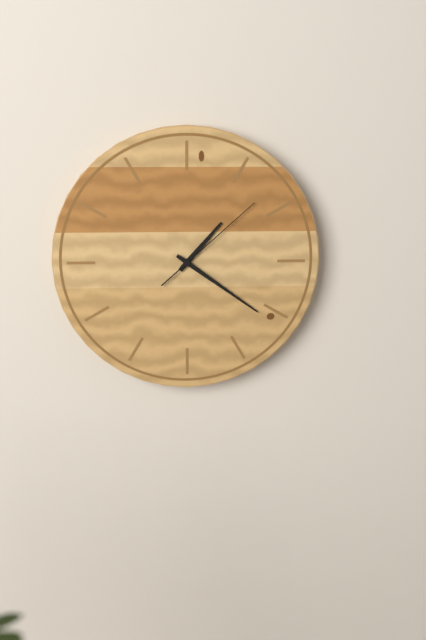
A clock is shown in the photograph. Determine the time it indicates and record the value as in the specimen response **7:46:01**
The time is **1:21:08**
